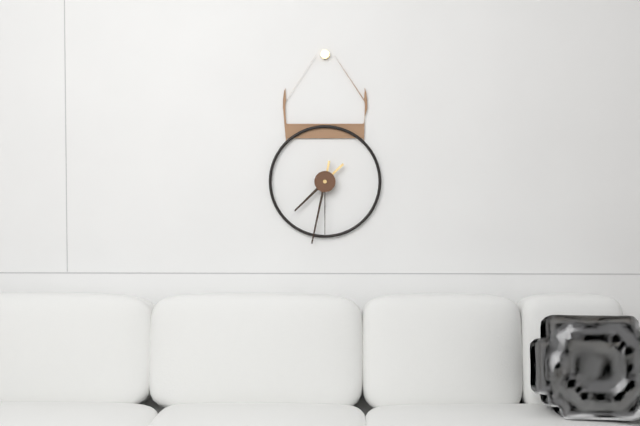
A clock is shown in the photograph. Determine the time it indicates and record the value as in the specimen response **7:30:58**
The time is **7:32:30**
